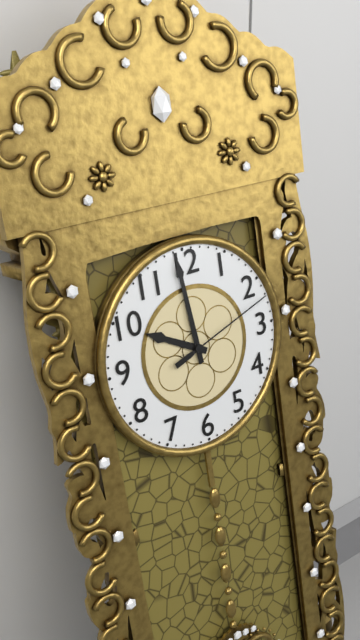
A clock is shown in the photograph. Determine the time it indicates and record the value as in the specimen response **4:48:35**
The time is **9:59:12**
